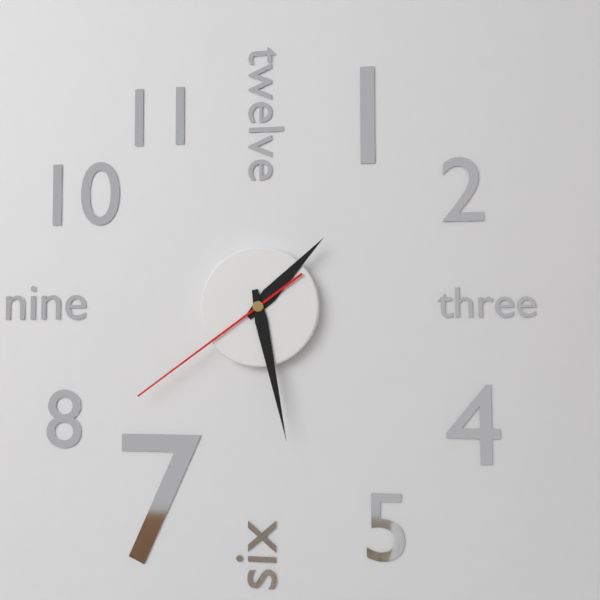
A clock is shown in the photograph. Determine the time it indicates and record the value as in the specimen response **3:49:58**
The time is **1:28:39**
